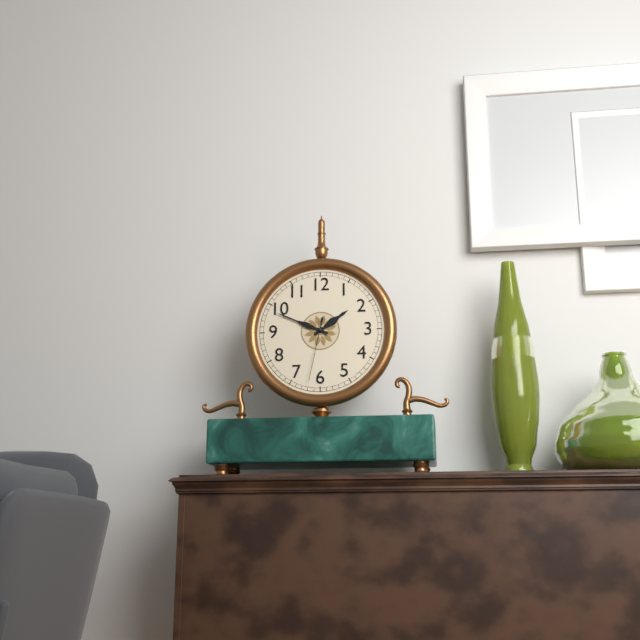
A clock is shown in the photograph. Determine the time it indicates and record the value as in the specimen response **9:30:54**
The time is **1:49:32**
